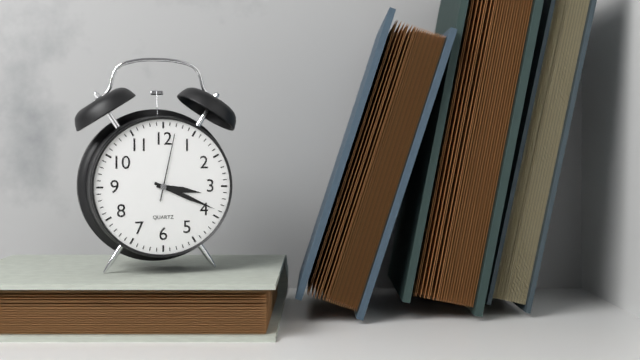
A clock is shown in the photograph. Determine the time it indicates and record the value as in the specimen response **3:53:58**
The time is **3:19:02**
